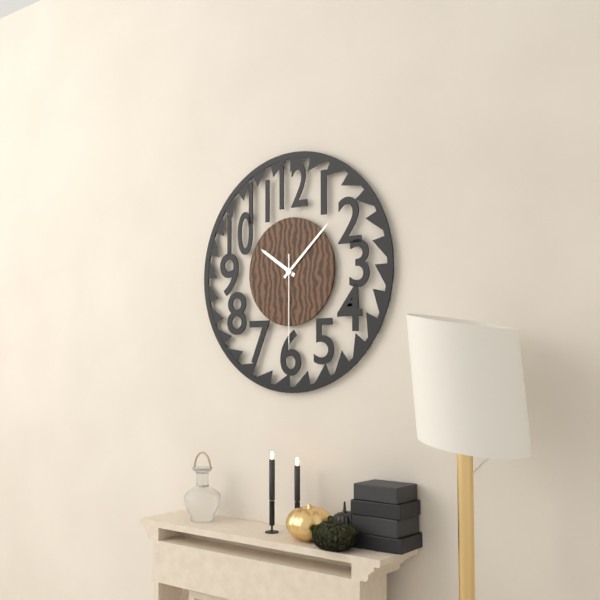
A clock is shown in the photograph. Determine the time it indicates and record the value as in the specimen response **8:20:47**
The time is **10:08:30**
